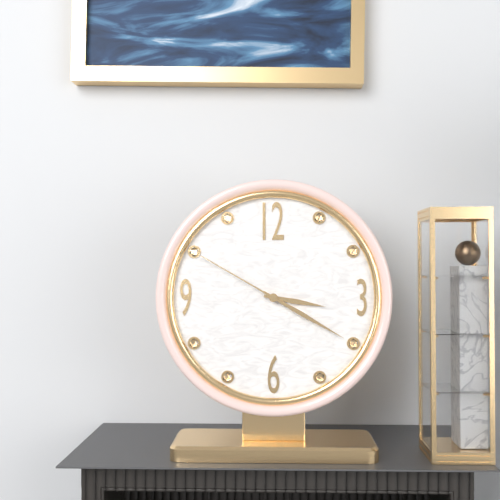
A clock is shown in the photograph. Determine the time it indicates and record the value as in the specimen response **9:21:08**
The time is **3:20:50**
